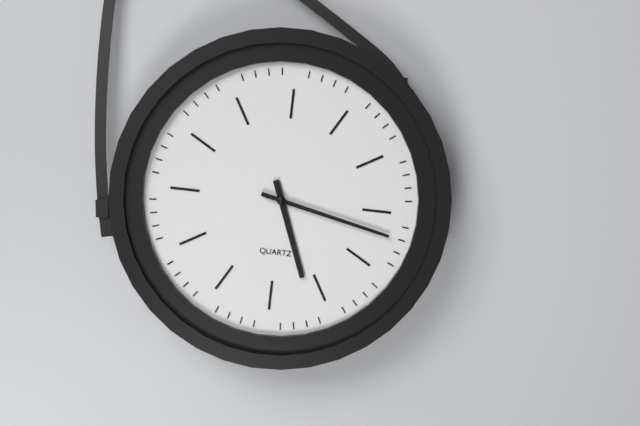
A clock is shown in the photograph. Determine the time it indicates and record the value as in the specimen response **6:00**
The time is **5:17**
